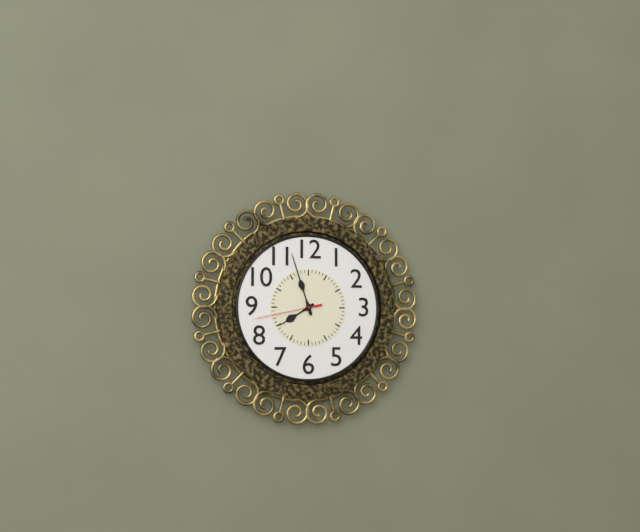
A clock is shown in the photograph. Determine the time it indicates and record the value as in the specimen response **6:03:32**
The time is **7:57:43**
